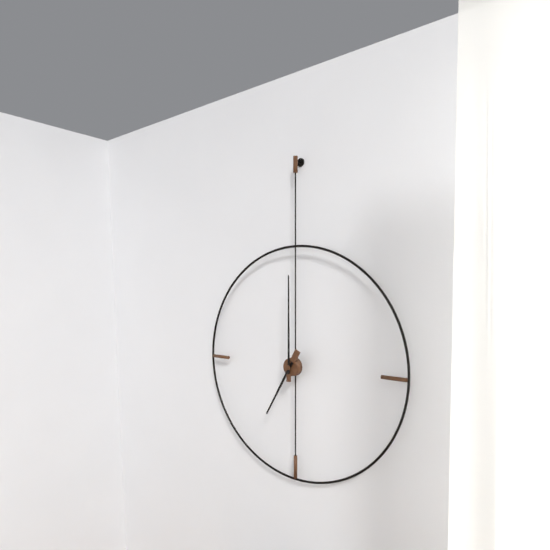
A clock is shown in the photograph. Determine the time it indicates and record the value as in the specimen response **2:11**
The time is **7:00**
